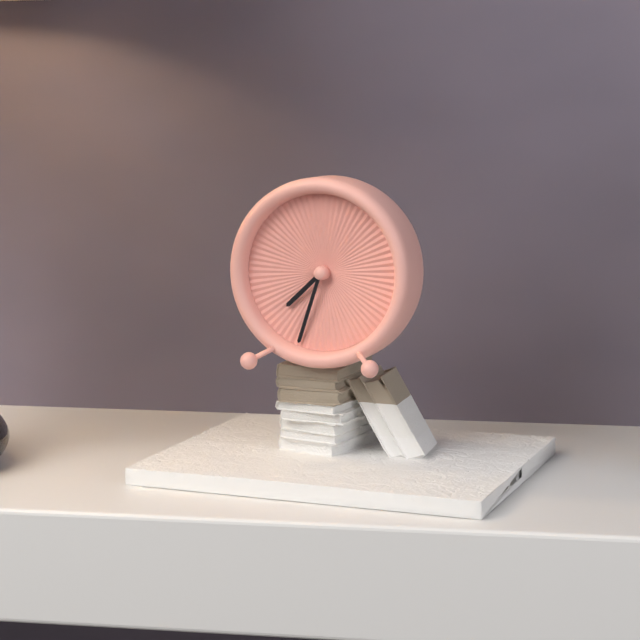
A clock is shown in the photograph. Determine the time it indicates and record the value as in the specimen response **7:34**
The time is **7:33**
